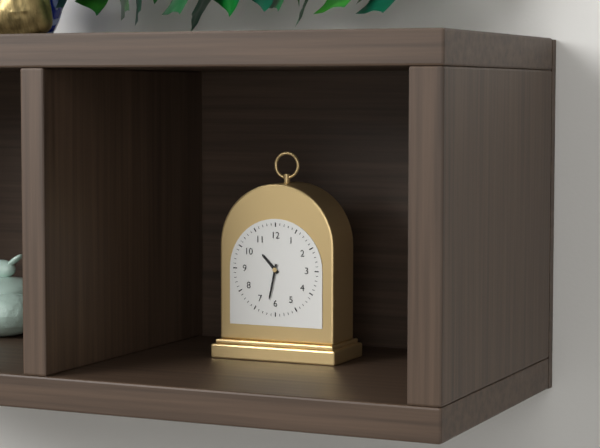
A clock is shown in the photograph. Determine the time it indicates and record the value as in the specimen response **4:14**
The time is **10:32**
